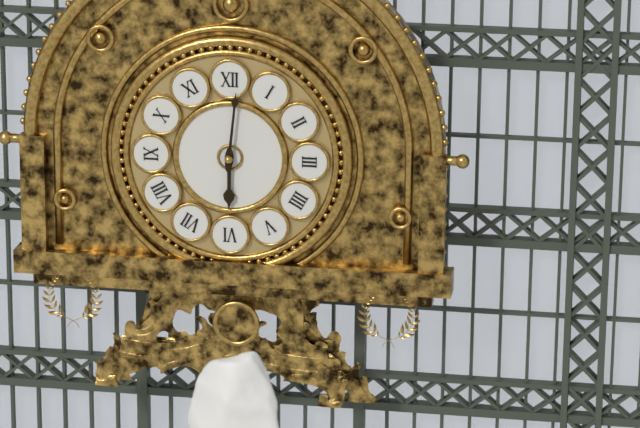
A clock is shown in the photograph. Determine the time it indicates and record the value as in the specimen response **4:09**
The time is **6:01**
